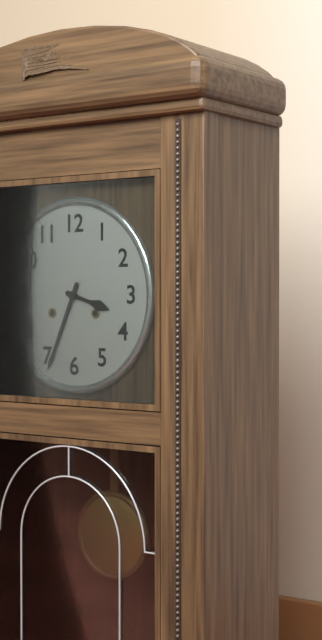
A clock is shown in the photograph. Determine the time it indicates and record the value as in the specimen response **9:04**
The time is **3:34**
